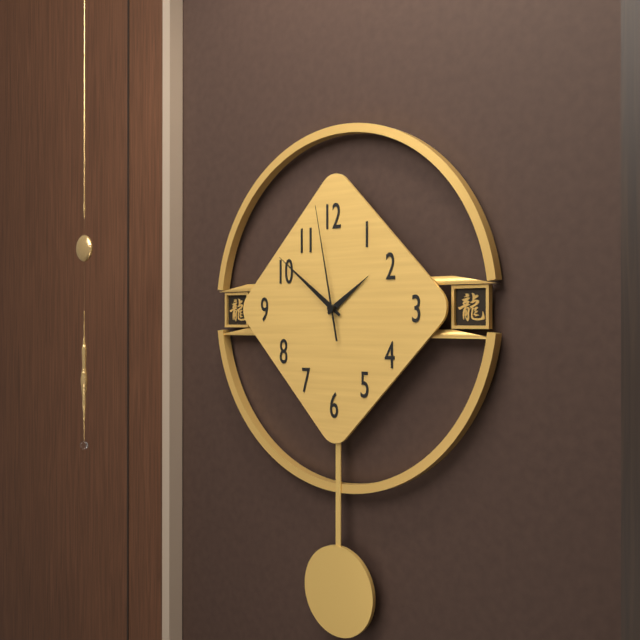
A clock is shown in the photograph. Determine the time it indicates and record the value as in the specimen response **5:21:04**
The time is **1:51:58**
